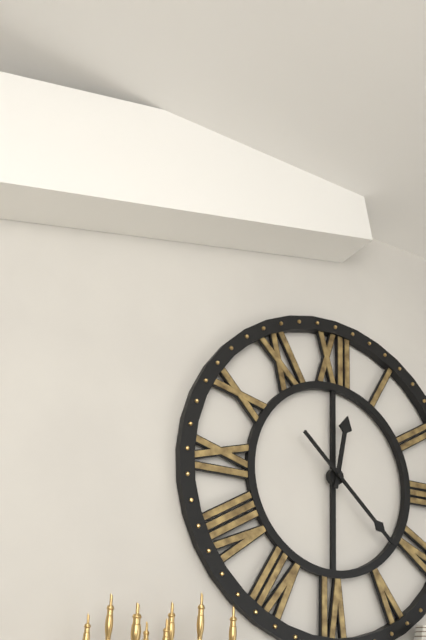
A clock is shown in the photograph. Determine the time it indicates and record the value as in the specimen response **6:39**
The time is **12:22**
